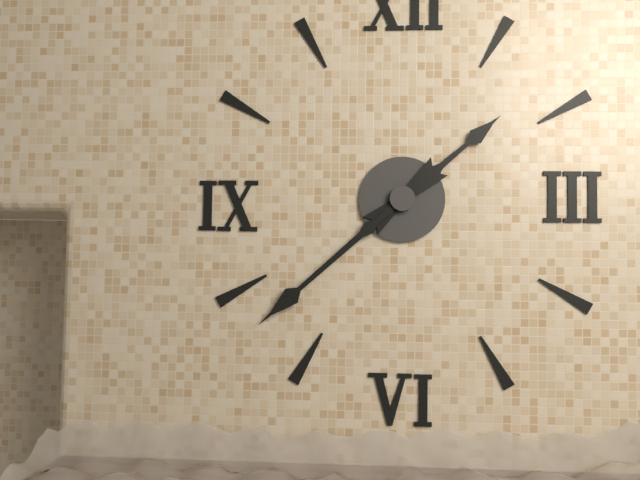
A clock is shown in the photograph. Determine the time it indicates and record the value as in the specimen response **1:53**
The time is **1:38**
